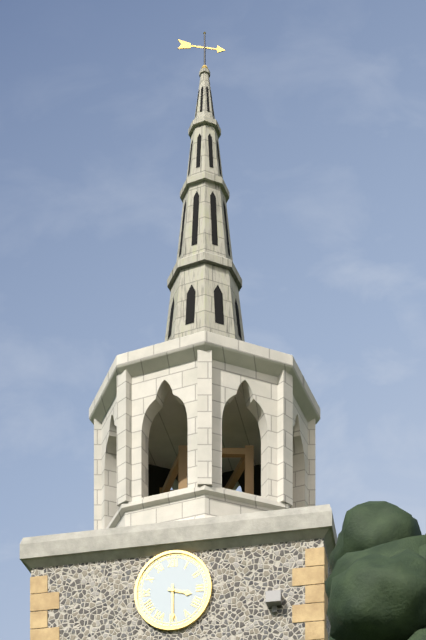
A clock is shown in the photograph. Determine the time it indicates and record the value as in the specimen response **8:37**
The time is **3:30**
